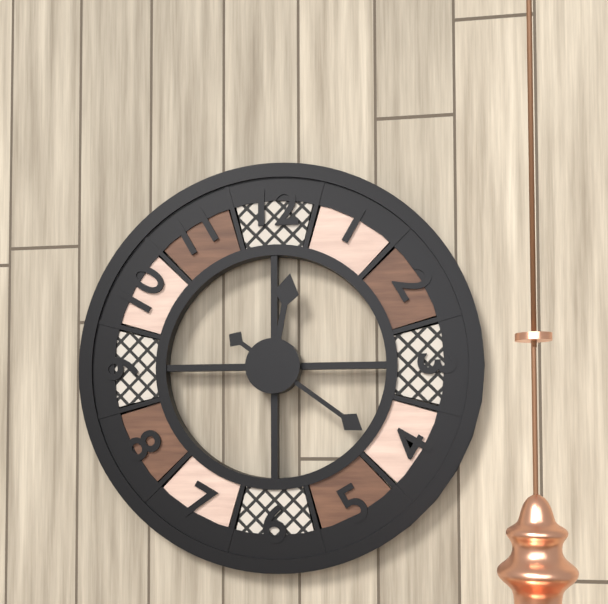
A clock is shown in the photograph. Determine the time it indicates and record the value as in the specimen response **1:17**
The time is **12:21**
